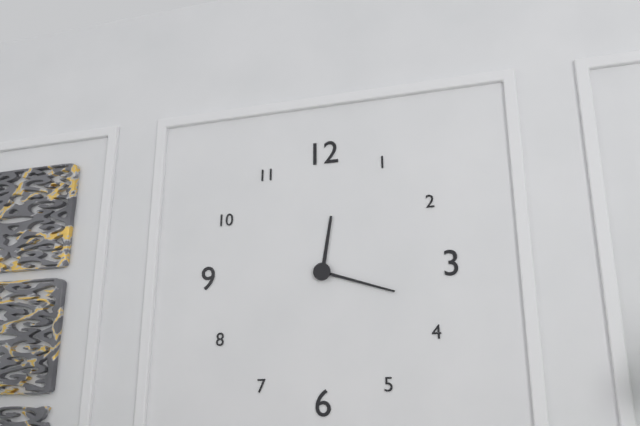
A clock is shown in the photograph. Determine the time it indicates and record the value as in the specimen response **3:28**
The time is **12:18**
